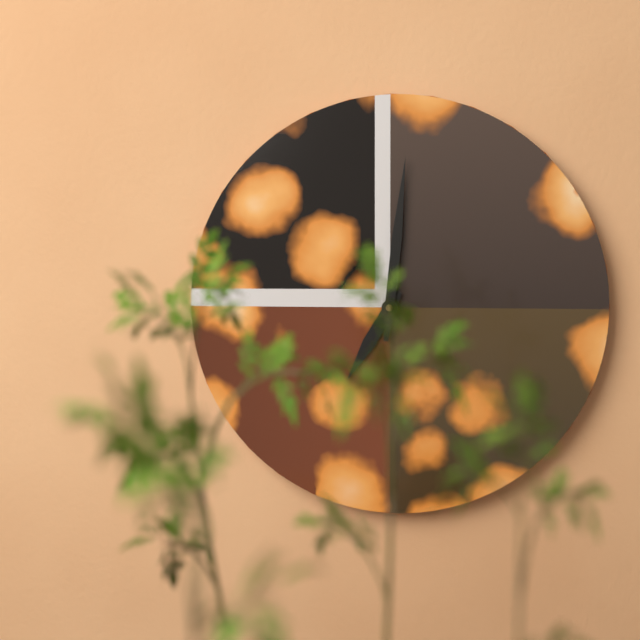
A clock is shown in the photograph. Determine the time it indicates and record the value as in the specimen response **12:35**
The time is **7:01**
